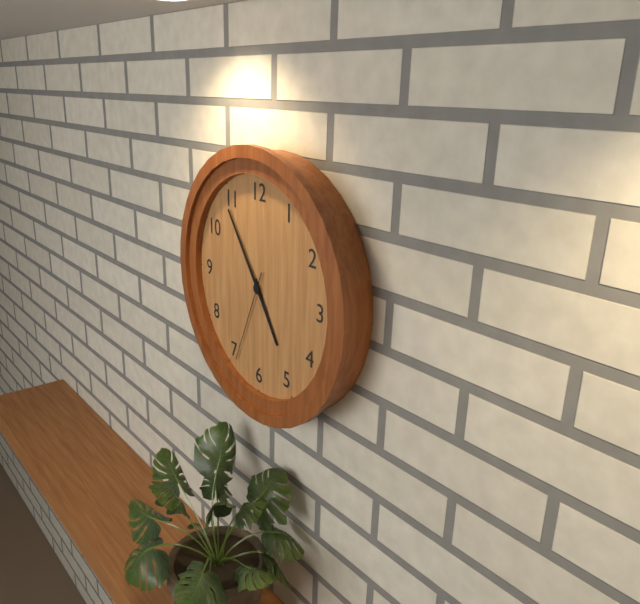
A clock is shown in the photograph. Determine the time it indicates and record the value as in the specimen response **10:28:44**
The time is **4:54:34**
